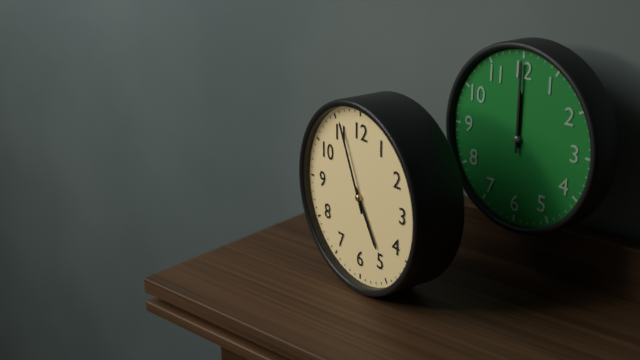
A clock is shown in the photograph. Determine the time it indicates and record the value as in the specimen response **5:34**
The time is **4:56**
